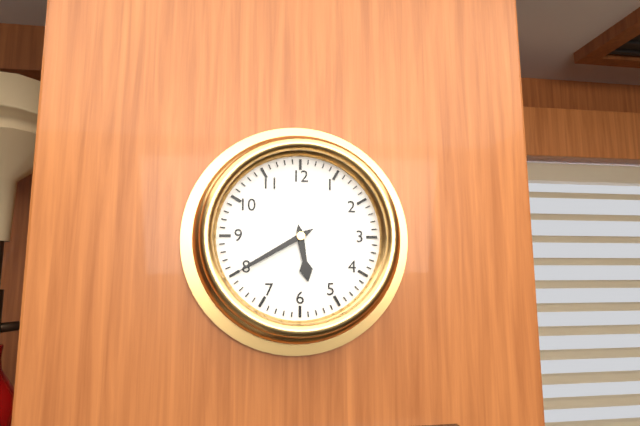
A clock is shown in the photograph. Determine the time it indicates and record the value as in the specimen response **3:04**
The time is **5:40**
